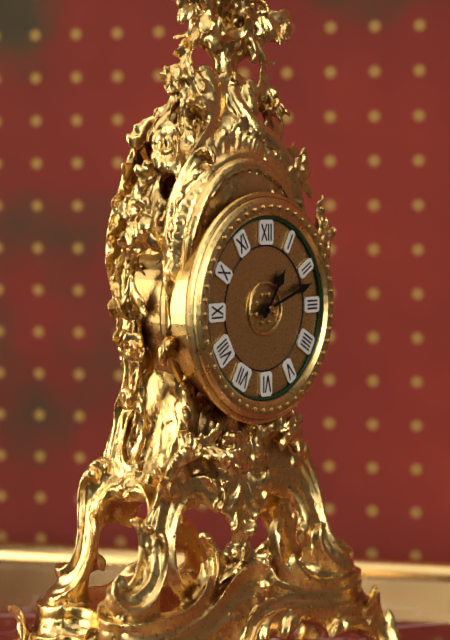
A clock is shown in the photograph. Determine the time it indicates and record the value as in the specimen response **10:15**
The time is **1:12**
